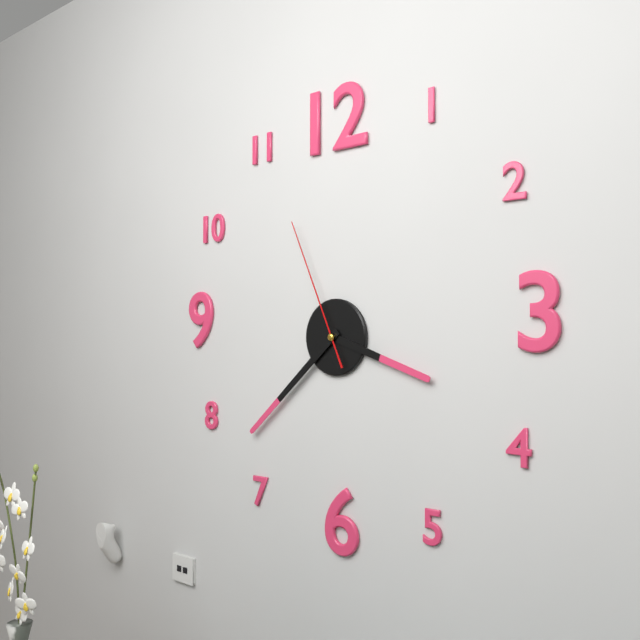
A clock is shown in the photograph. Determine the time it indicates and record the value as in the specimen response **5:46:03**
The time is **3:38:56**
